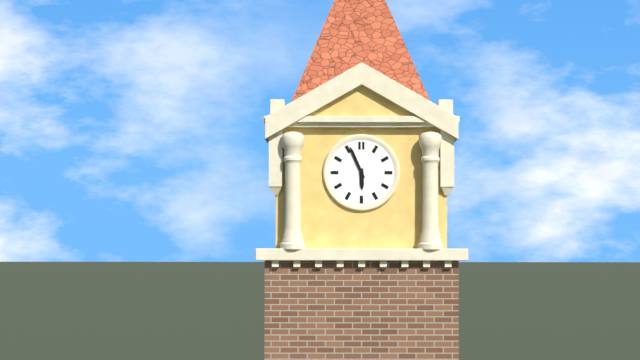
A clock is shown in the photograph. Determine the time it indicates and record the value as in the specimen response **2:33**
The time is **5:56**
